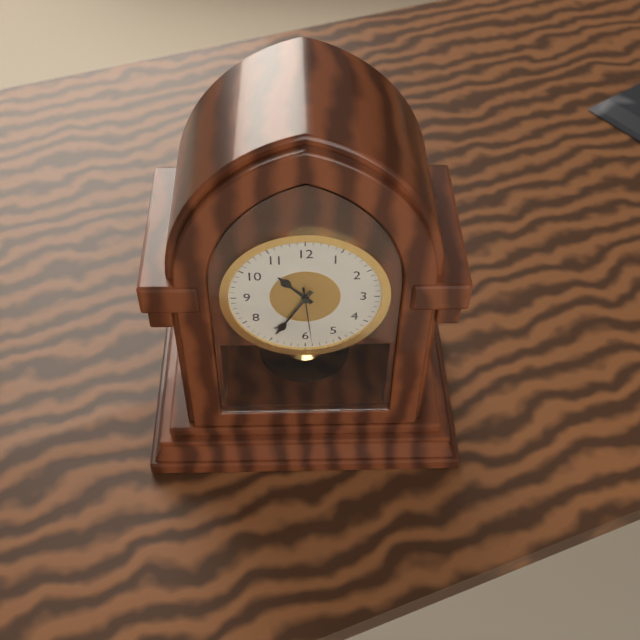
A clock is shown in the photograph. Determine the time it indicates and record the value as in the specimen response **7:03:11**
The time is **10:35:29**
